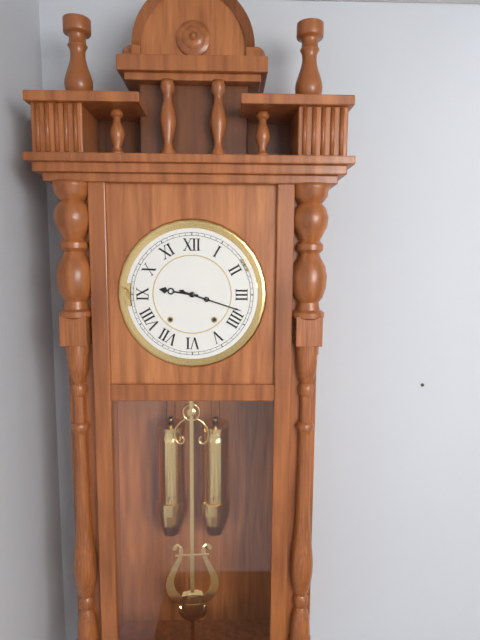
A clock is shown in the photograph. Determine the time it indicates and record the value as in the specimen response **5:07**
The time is **9:18**
